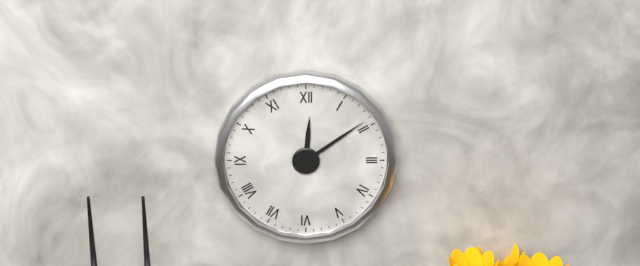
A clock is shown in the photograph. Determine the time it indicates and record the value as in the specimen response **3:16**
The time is **12:09**
